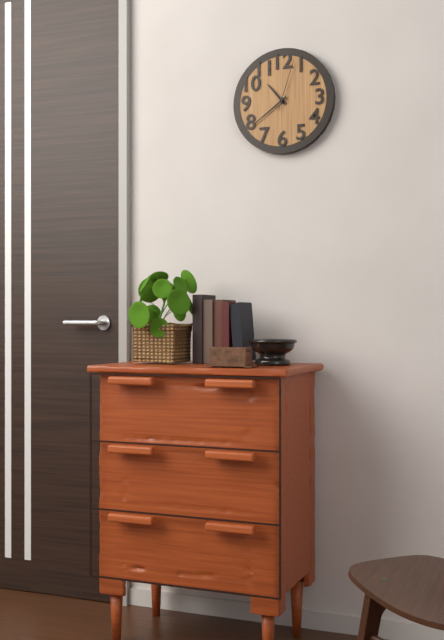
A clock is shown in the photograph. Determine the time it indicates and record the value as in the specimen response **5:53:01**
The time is **10:39:03**
